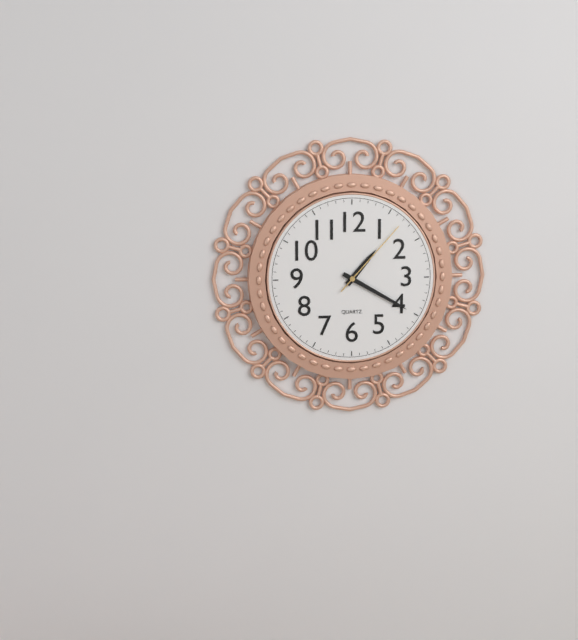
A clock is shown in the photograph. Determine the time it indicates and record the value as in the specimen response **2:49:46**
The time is **1:20:07**
